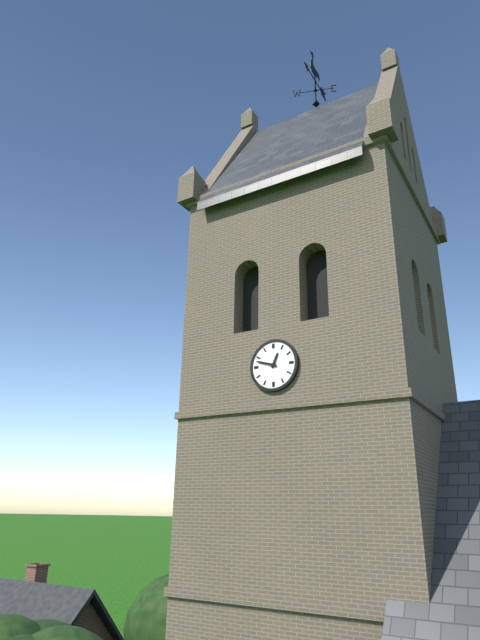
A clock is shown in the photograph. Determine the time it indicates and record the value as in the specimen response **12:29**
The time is **12:48**
